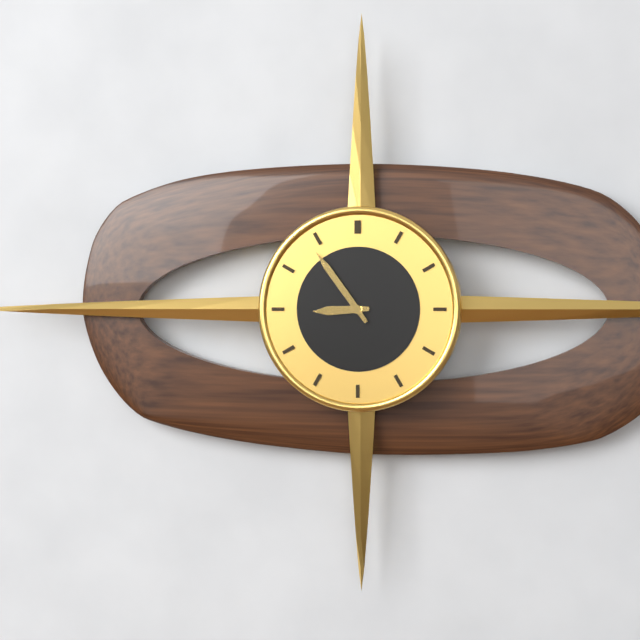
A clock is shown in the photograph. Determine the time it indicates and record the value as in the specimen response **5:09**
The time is **8:54**
